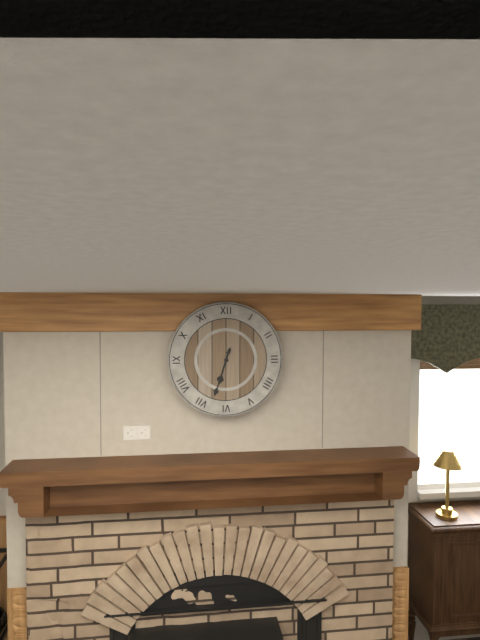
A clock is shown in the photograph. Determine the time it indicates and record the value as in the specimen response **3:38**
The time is **6:33**
